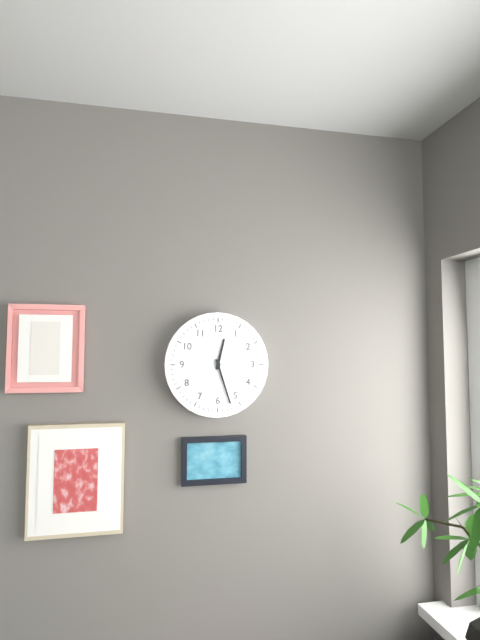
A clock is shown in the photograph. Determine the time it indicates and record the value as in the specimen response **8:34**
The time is **12:27**
